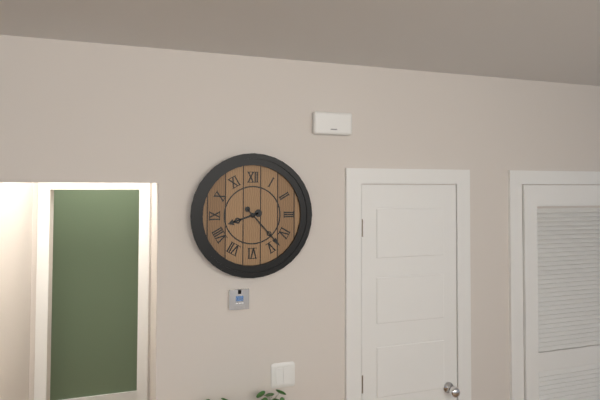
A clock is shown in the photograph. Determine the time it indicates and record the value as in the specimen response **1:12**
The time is **8:23**
